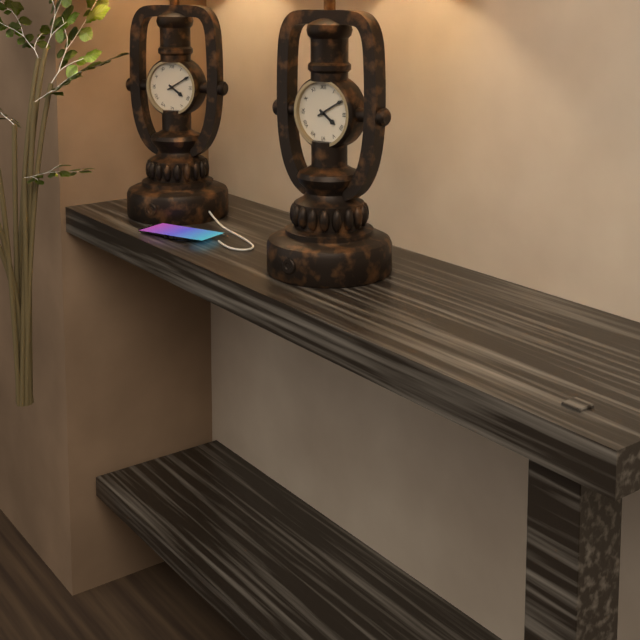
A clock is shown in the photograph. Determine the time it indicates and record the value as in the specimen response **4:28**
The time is **4:10**
